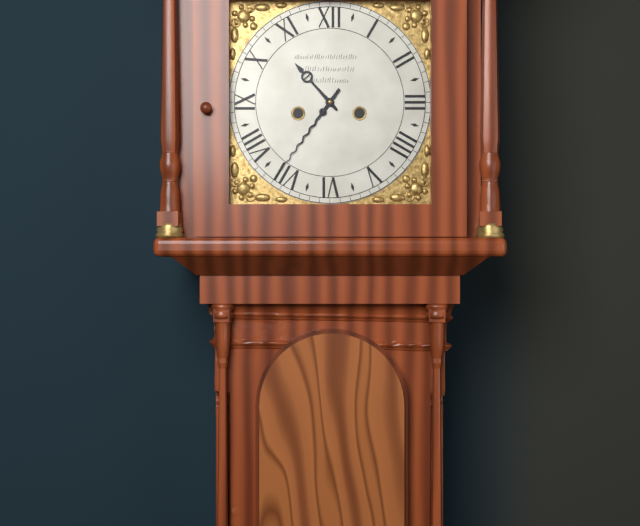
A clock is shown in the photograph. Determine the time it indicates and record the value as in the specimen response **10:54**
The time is **10:36**
